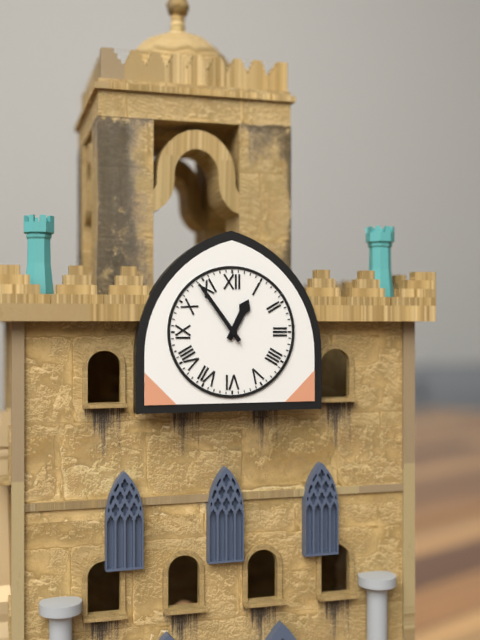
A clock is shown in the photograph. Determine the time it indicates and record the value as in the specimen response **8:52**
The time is **12:54**
